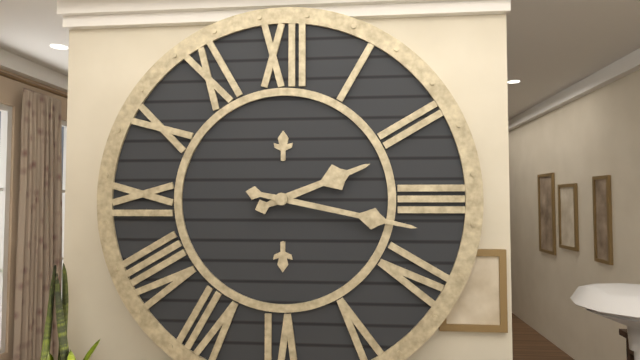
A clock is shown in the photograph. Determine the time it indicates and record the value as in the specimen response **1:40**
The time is **2:17**
